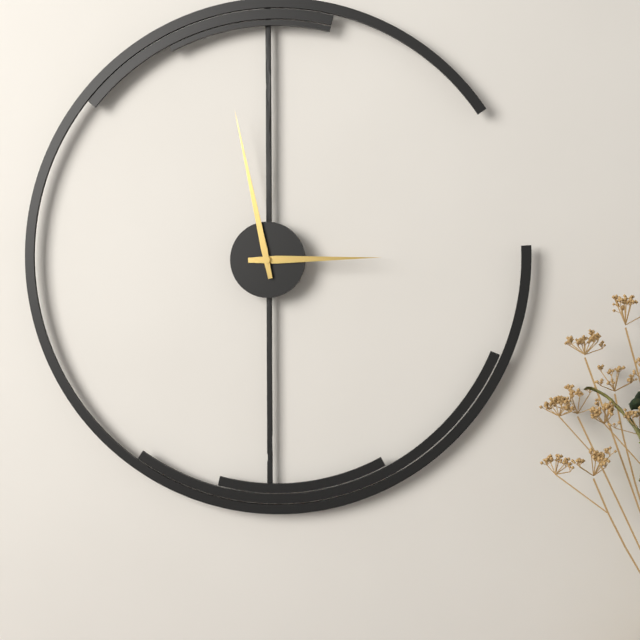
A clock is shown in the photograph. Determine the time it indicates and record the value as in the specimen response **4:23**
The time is **2:58**
